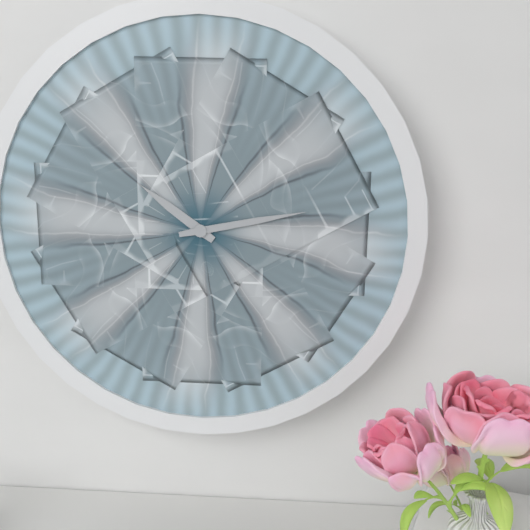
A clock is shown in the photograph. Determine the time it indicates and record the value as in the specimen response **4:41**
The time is **10:13**
